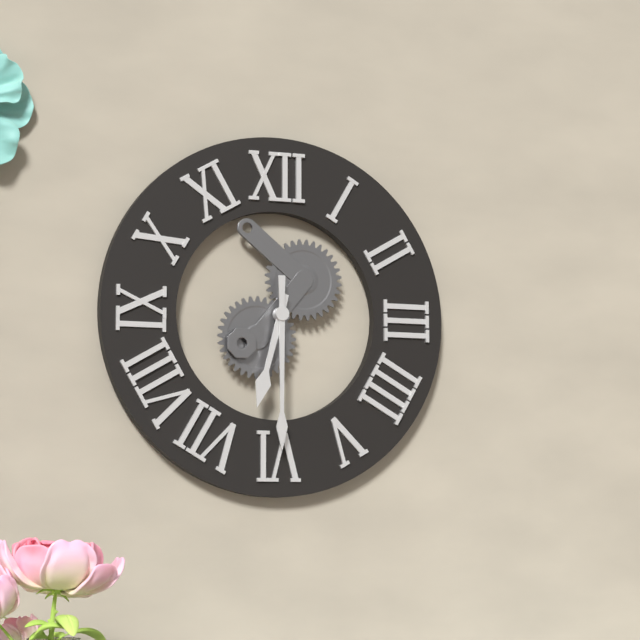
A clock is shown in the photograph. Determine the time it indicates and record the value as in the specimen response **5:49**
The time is **6:30**
